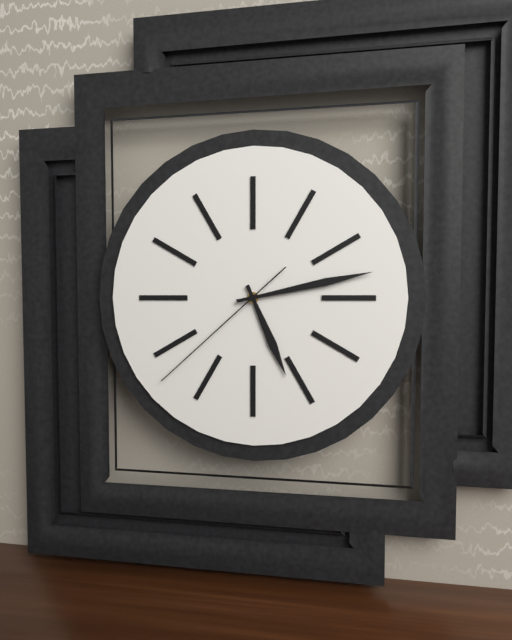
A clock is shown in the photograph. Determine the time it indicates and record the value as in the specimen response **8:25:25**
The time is **5:13:38**
